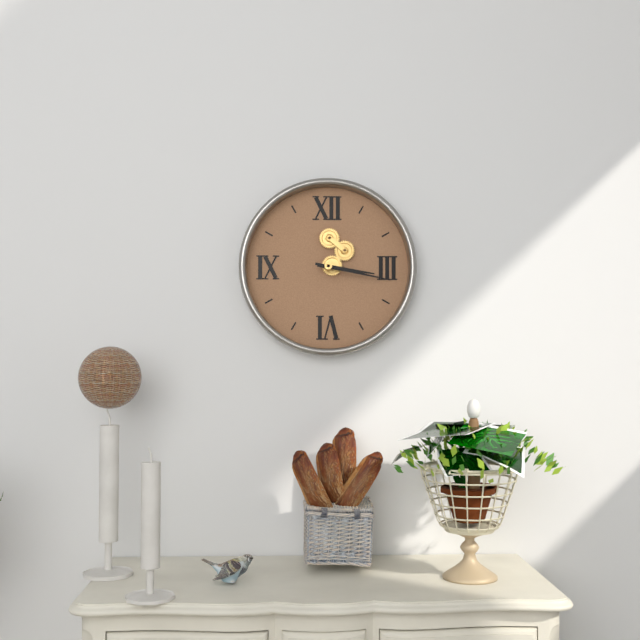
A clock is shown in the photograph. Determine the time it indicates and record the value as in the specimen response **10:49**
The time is **3:17**
